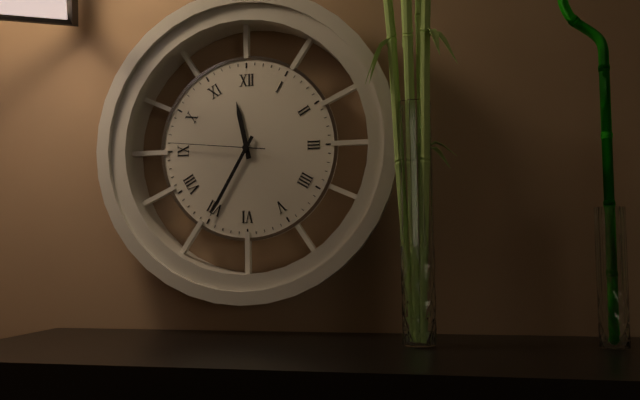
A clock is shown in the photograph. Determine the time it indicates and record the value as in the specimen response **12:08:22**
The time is **11:35:46**
